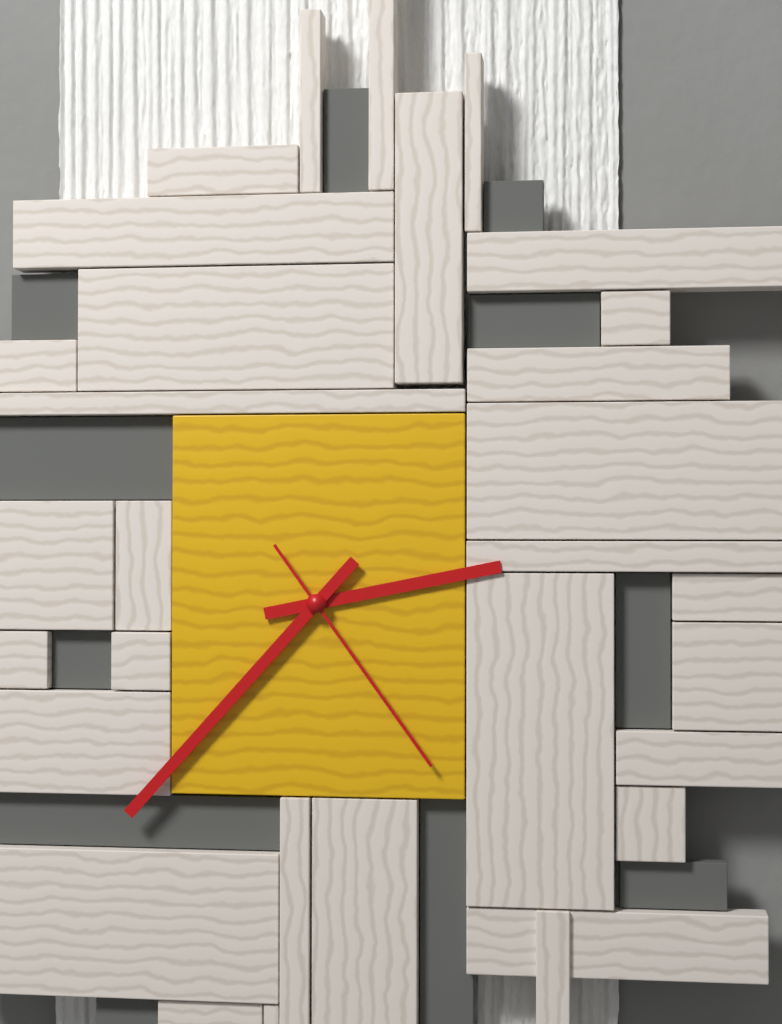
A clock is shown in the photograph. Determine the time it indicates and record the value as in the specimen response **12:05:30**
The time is **2:37:24**
